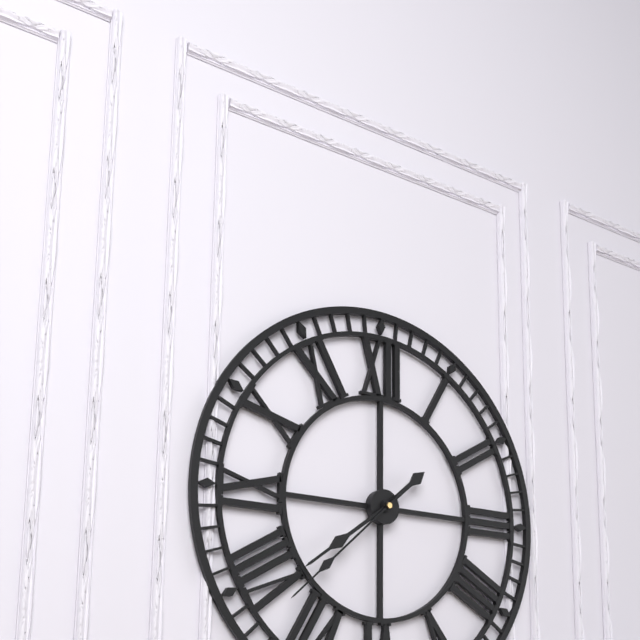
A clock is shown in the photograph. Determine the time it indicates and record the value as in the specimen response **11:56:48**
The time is **1:39:38**
